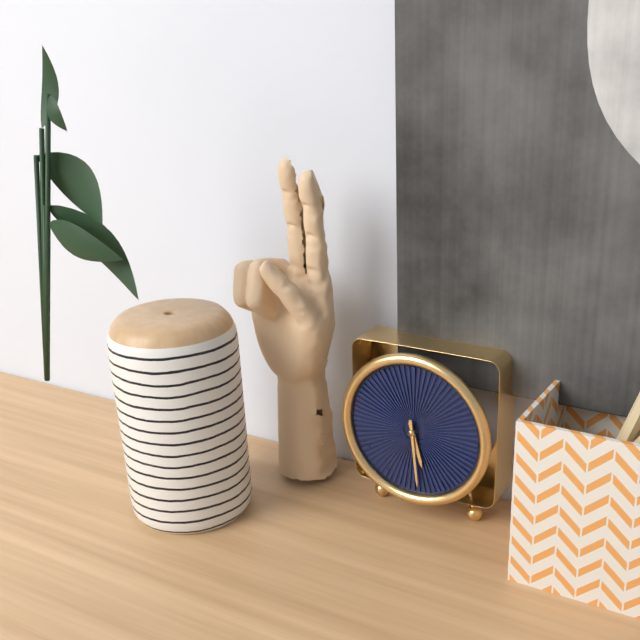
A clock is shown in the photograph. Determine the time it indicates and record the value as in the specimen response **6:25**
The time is **5:29**
